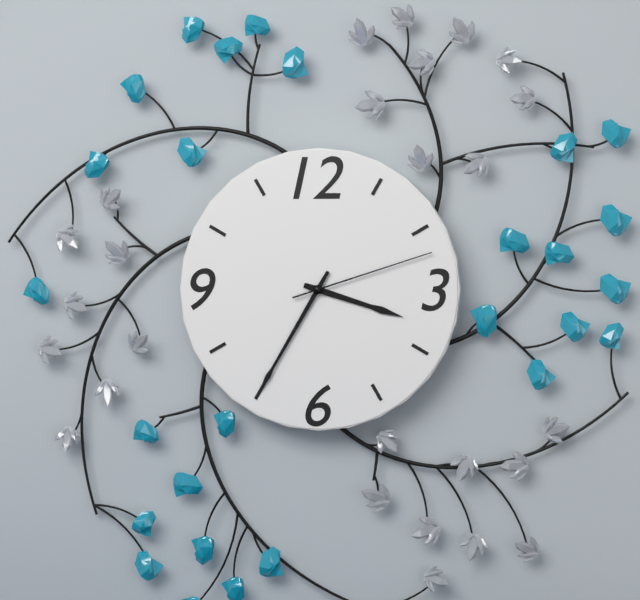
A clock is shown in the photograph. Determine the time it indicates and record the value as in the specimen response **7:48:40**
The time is **3:35:12**
